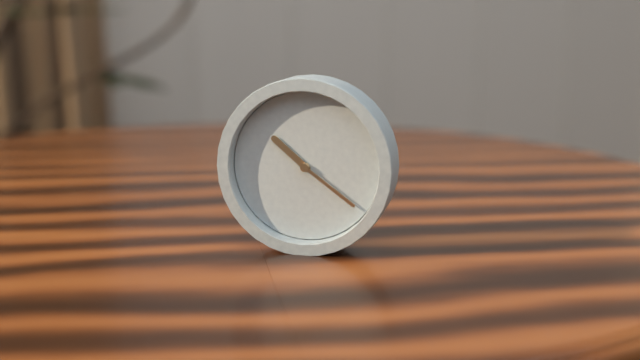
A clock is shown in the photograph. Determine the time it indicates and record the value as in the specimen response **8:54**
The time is **10:21**
